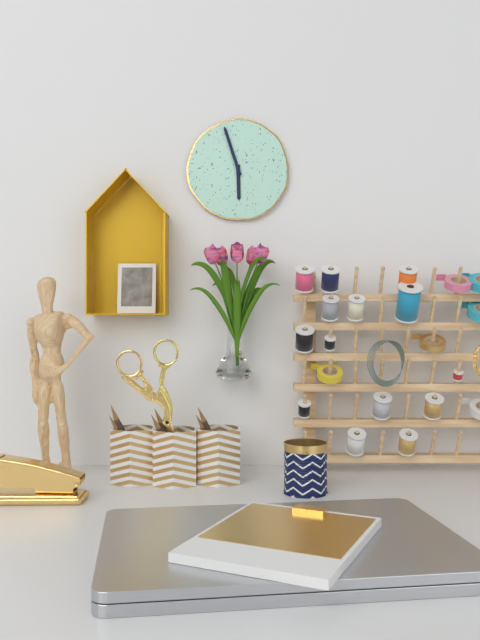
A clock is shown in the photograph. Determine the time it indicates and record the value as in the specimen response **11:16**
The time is **5:57**
